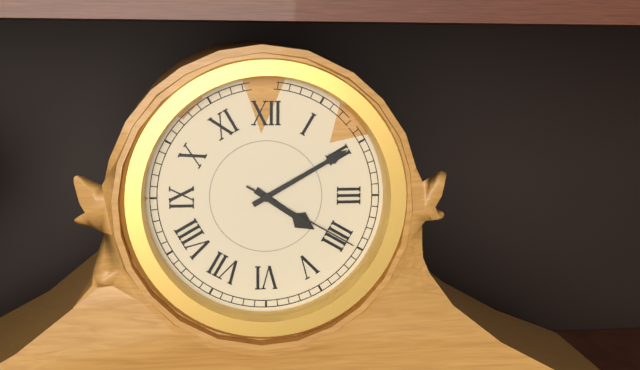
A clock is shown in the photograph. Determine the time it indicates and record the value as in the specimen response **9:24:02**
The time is **4:10:20**
